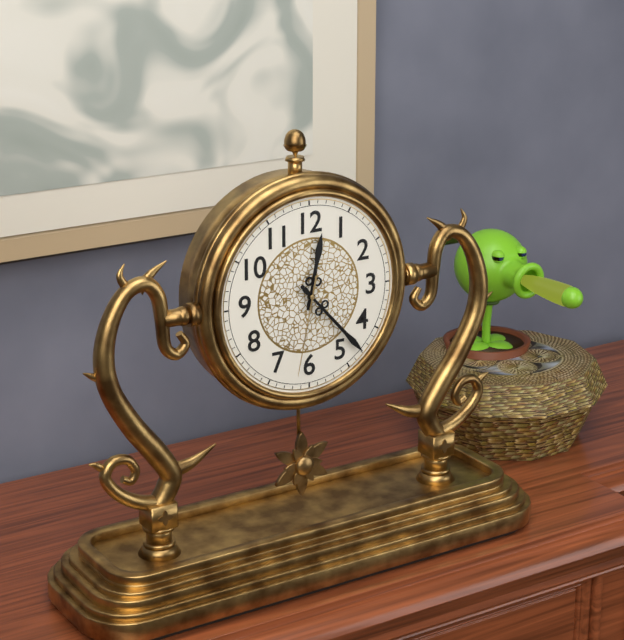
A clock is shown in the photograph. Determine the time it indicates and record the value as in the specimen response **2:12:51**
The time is **12:23:32**
